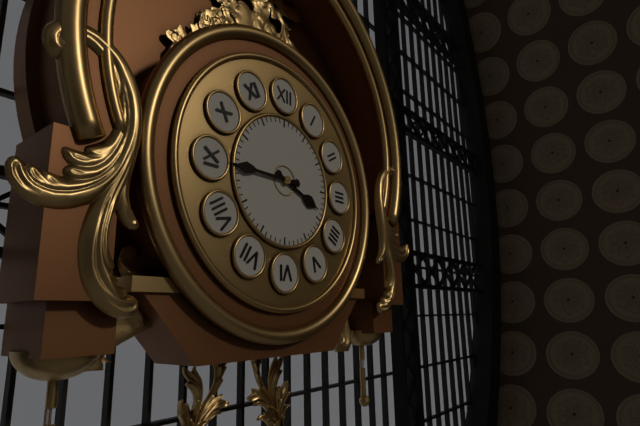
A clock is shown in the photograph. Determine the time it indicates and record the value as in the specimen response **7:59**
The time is **3:45**
